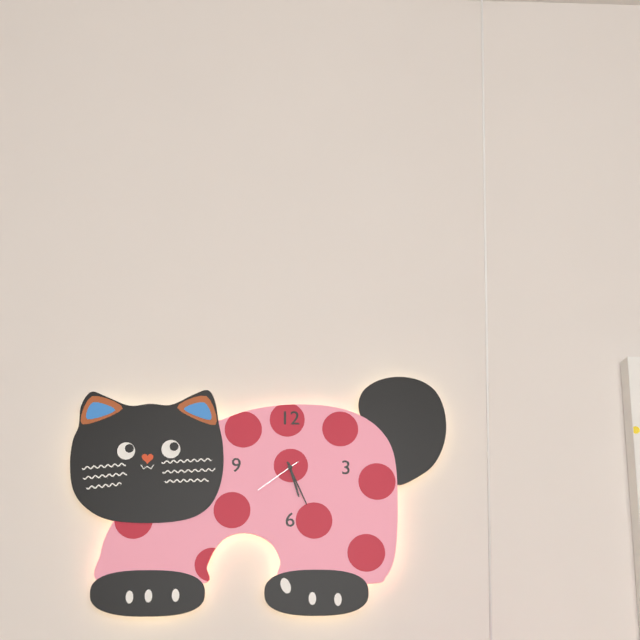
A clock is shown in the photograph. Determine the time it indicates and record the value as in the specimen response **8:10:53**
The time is **5:26:39**
